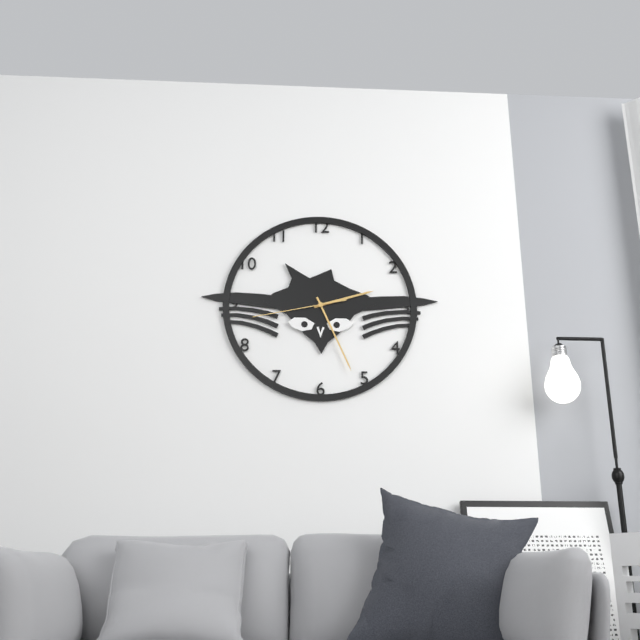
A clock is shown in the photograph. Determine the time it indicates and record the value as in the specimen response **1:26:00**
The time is **2:26:43**
